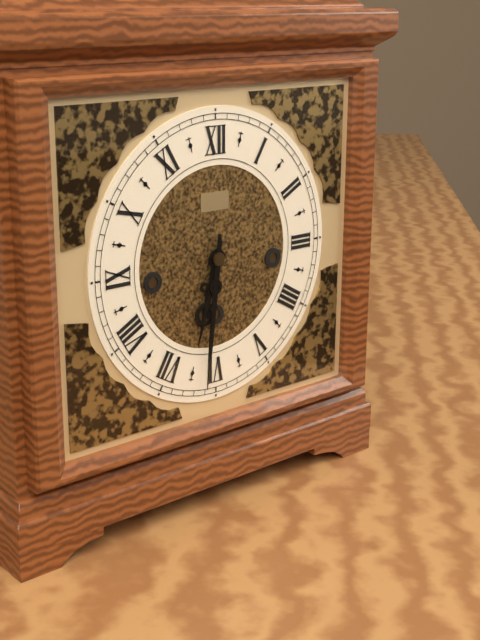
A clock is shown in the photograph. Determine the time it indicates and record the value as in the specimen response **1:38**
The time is **6:31**
